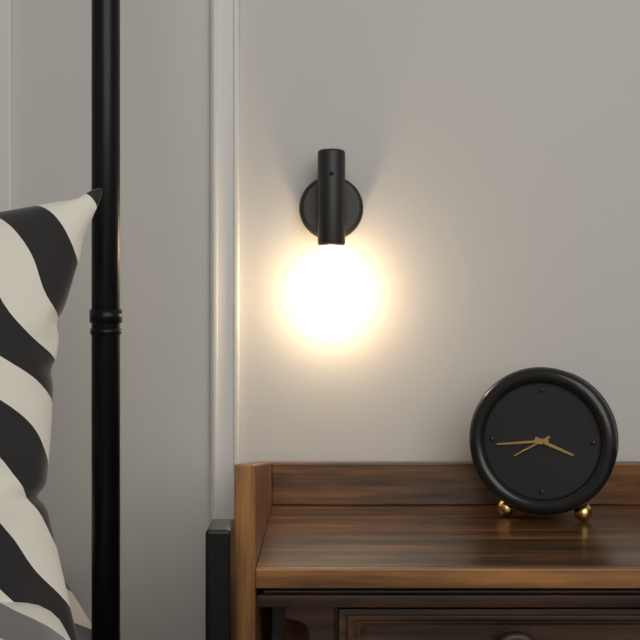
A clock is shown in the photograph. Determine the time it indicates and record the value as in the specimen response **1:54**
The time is **3:44**
